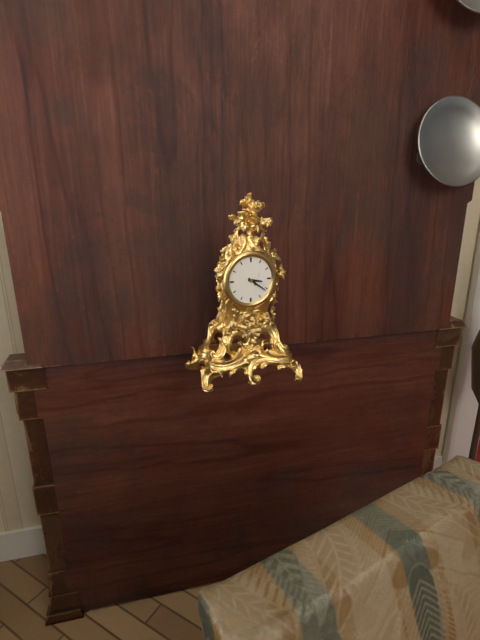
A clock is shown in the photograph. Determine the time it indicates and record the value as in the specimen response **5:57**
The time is **3:21**
